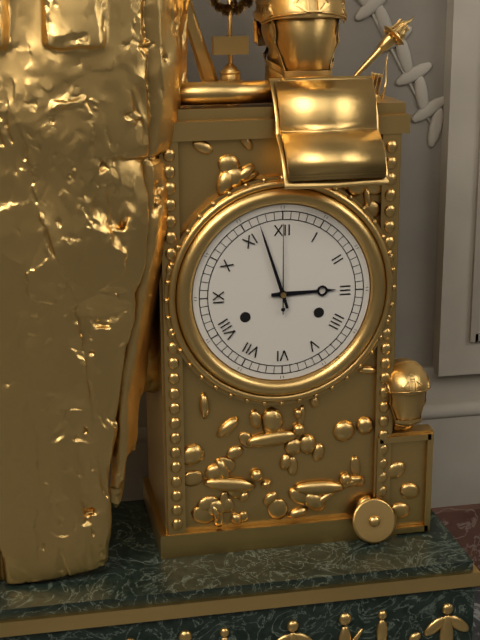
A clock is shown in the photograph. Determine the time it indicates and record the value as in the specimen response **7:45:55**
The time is **2:57:00**
